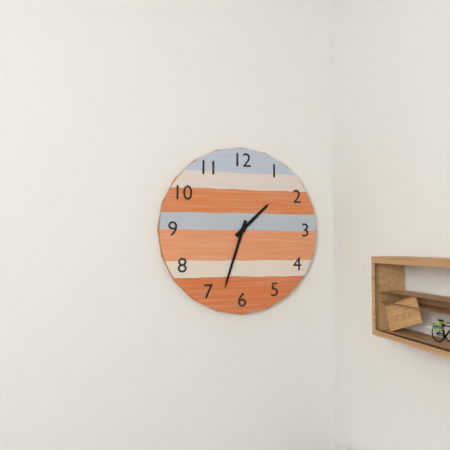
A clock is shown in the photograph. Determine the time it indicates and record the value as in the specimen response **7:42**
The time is **1:33**
